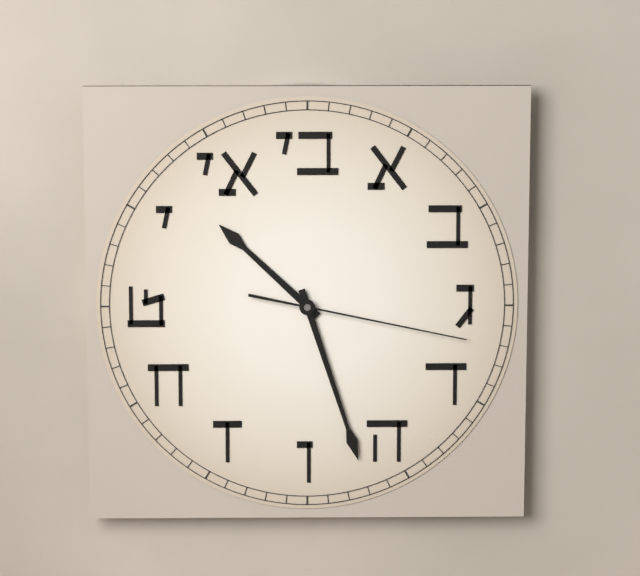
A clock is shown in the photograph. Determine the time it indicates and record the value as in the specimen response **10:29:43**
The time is **10:27:17**
